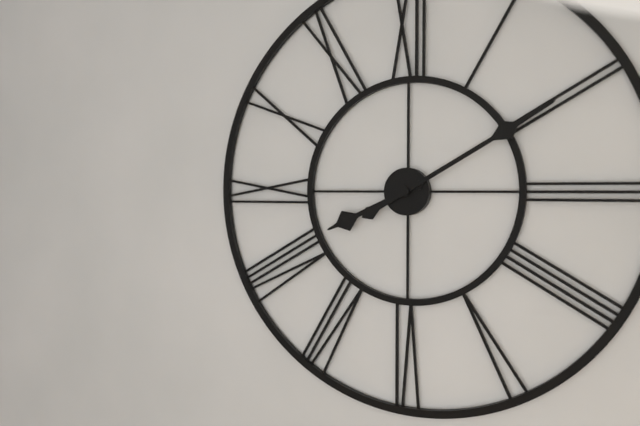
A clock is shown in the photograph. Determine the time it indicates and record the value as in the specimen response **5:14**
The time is **8:10**
